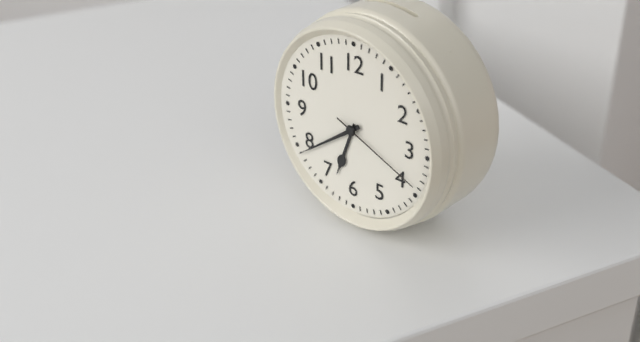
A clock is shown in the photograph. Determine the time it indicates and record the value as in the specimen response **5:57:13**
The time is **6:39:19**
